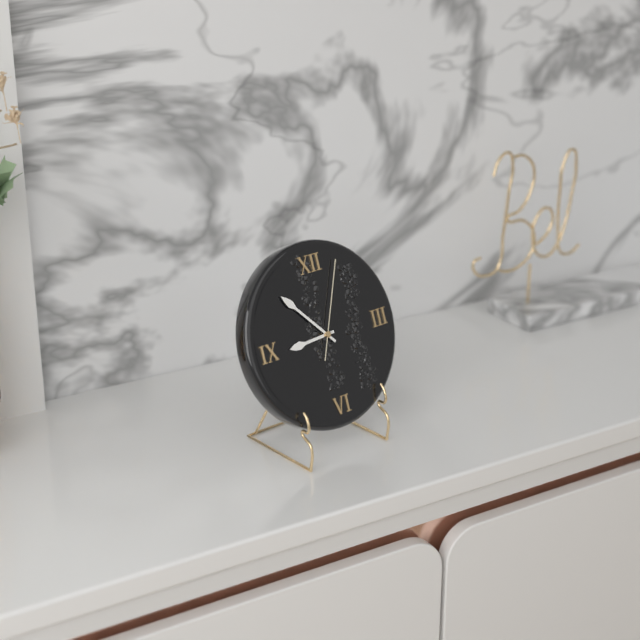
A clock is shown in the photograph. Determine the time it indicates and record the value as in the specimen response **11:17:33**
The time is **8:53:04**
